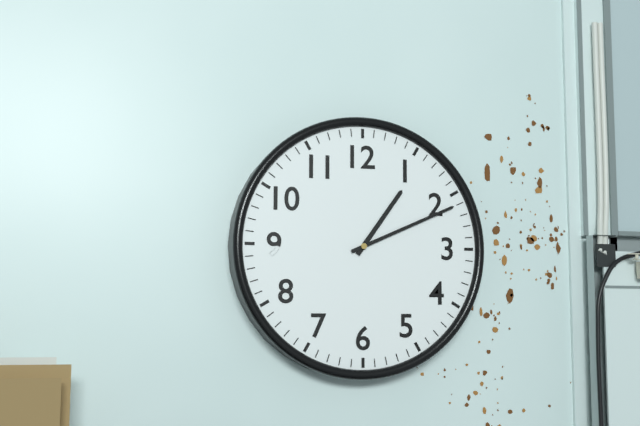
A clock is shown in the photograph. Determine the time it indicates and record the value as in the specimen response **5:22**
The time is **1:11**
